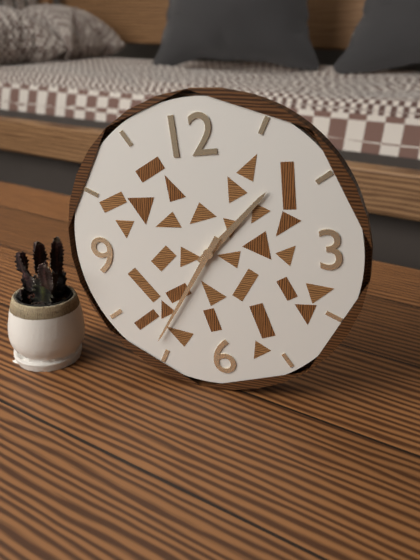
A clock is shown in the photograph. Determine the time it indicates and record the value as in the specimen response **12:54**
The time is **1:36**
